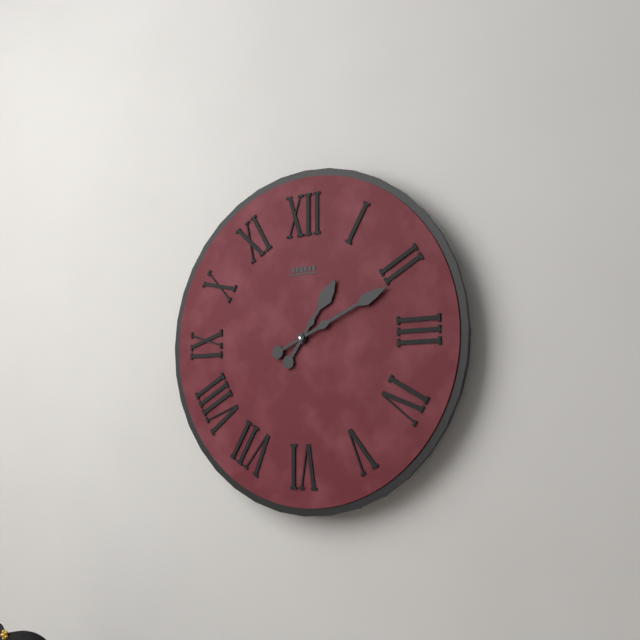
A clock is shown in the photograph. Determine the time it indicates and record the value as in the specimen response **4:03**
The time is **1:11**
